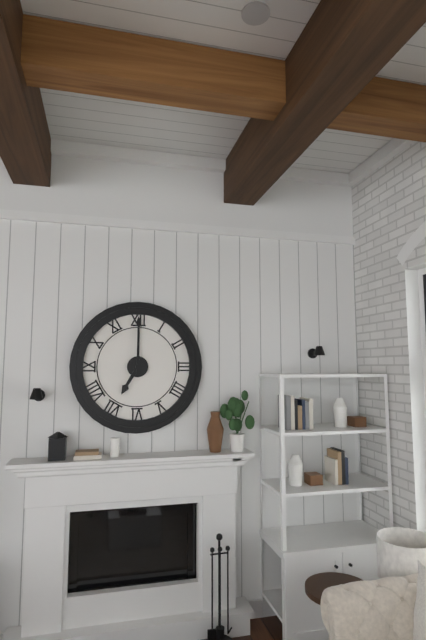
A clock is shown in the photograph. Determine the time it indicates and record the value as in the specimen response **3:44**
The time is **7:00**
